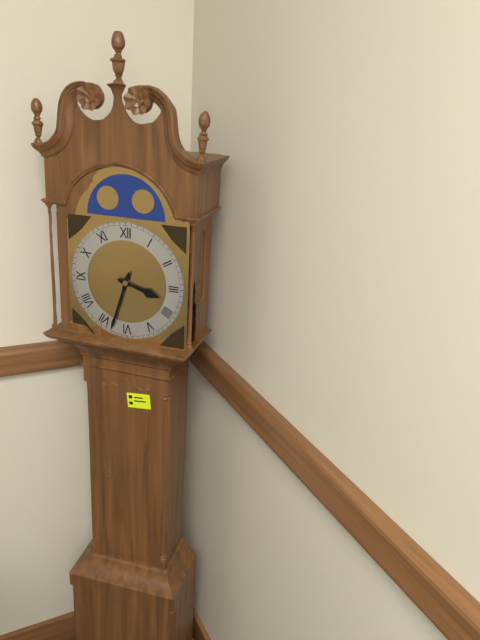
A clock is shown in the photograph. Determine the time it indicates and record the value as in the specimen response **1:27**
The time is **3:33**
